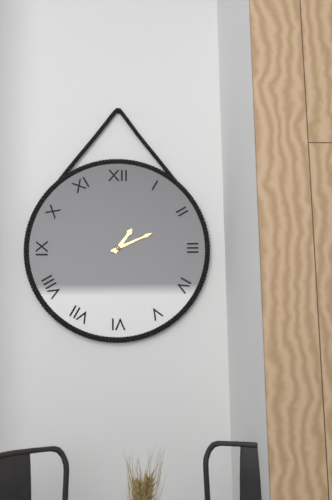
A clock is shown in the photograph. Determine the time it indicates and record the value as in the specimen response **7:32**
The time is **1:11**
